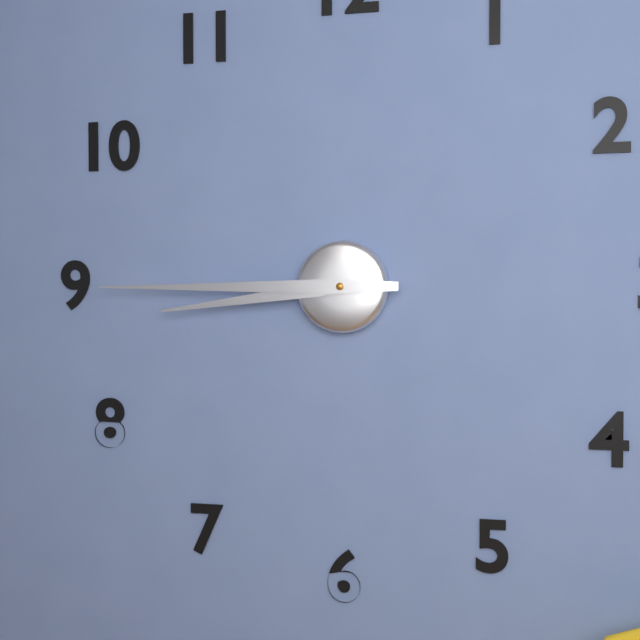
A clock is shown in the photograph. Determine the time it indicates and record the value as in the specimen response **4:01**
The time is **8:45**
